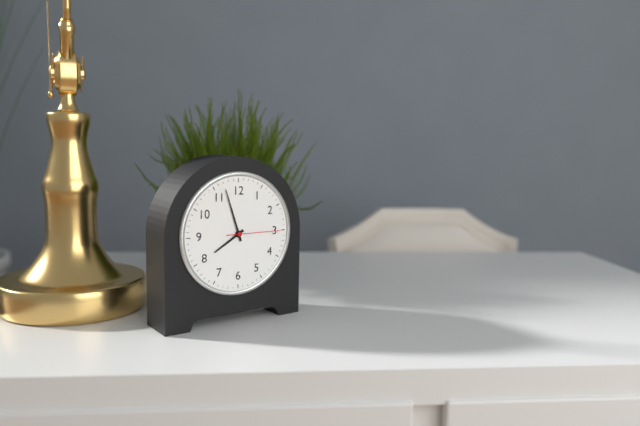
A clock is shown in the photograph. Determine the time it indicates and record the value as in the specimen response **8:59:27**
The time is **7:57:15**
